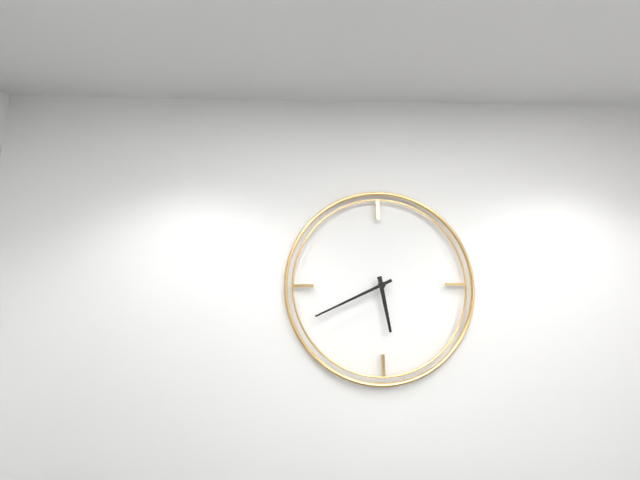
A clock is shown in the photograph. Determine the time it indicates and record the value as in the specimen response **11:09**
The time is **5:41**
